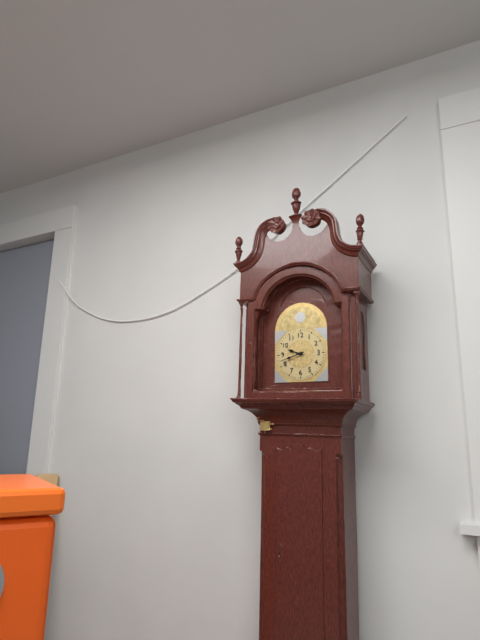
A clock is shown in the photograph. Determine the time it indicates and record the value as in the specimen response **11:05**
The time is **9:42**
